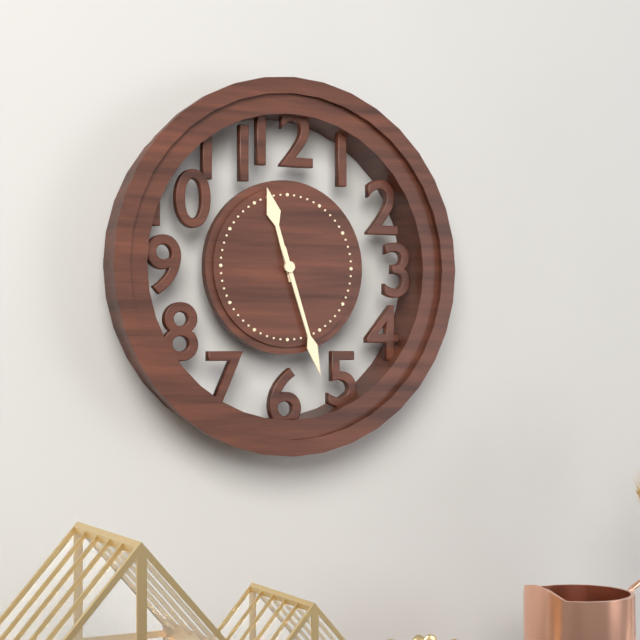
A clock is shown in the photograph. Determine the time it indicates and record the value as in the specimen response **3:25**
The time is **11:27**
